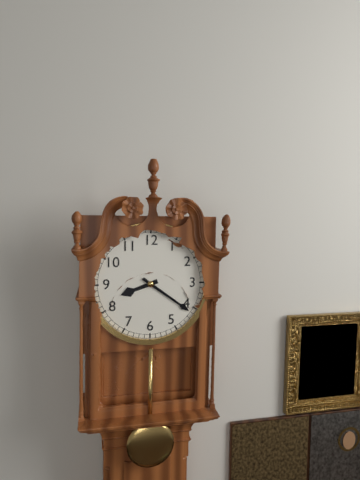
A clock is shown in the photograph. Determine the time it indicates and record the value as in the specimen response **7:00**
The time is **8:21**
